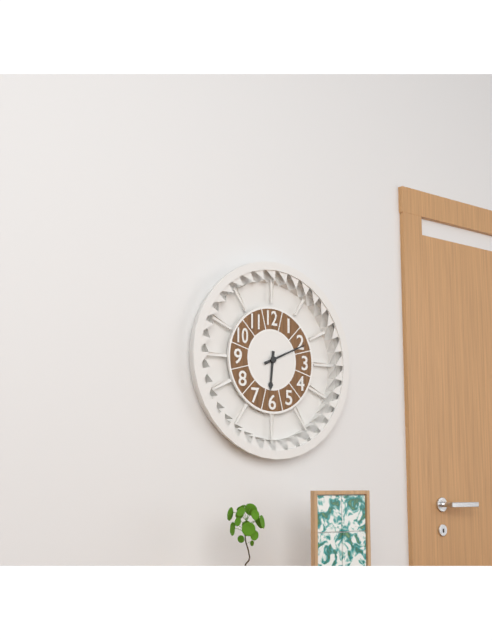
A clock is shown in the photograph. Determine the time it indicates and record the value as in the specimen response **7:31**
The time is **6:11**
